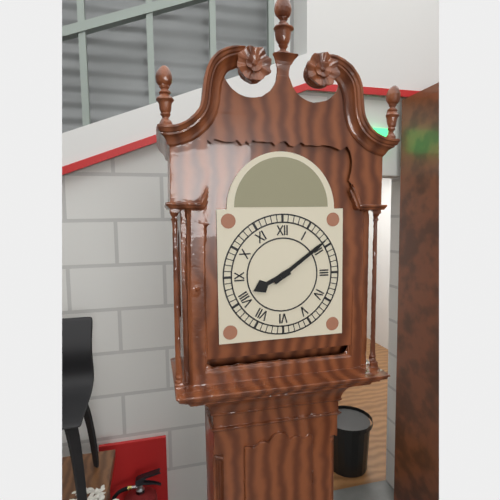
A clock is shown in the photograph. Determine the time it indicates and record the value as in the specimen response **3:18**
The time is **8:09**
